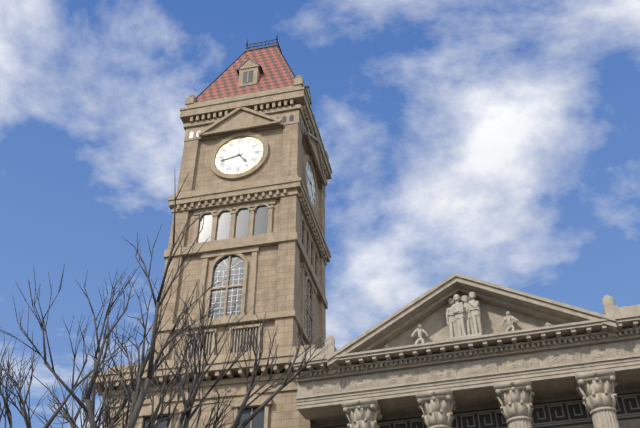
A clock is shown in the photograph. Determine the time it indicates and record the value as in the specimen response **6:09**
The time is **4:43**
